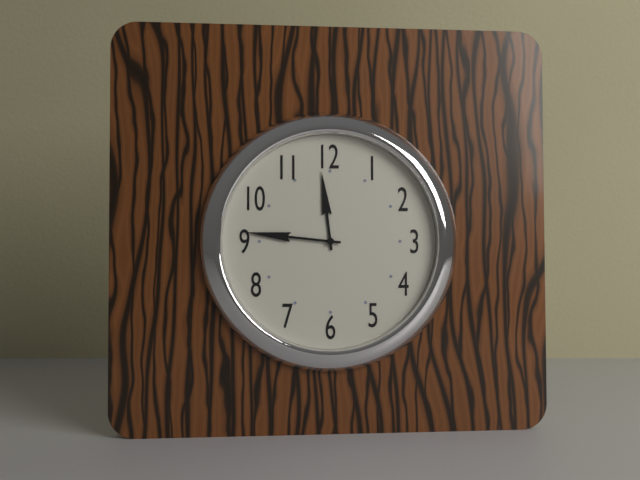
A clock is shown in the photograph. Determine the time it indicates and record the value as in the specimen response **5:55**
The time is **11:46**
